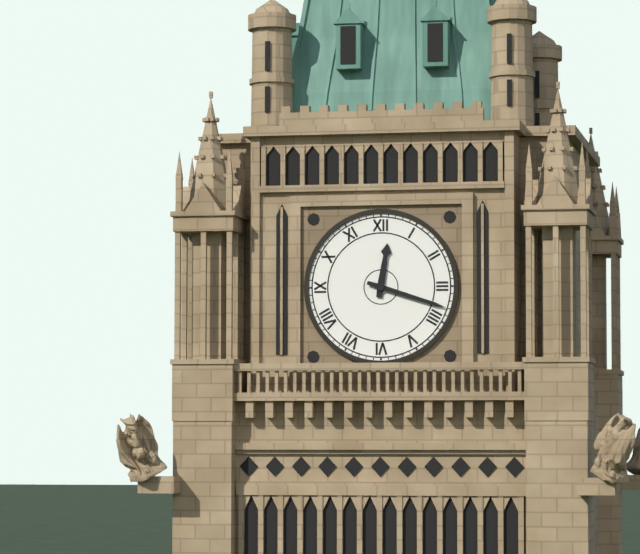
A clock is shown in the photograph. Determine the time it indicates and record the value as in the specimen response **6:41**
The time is **12:18**
